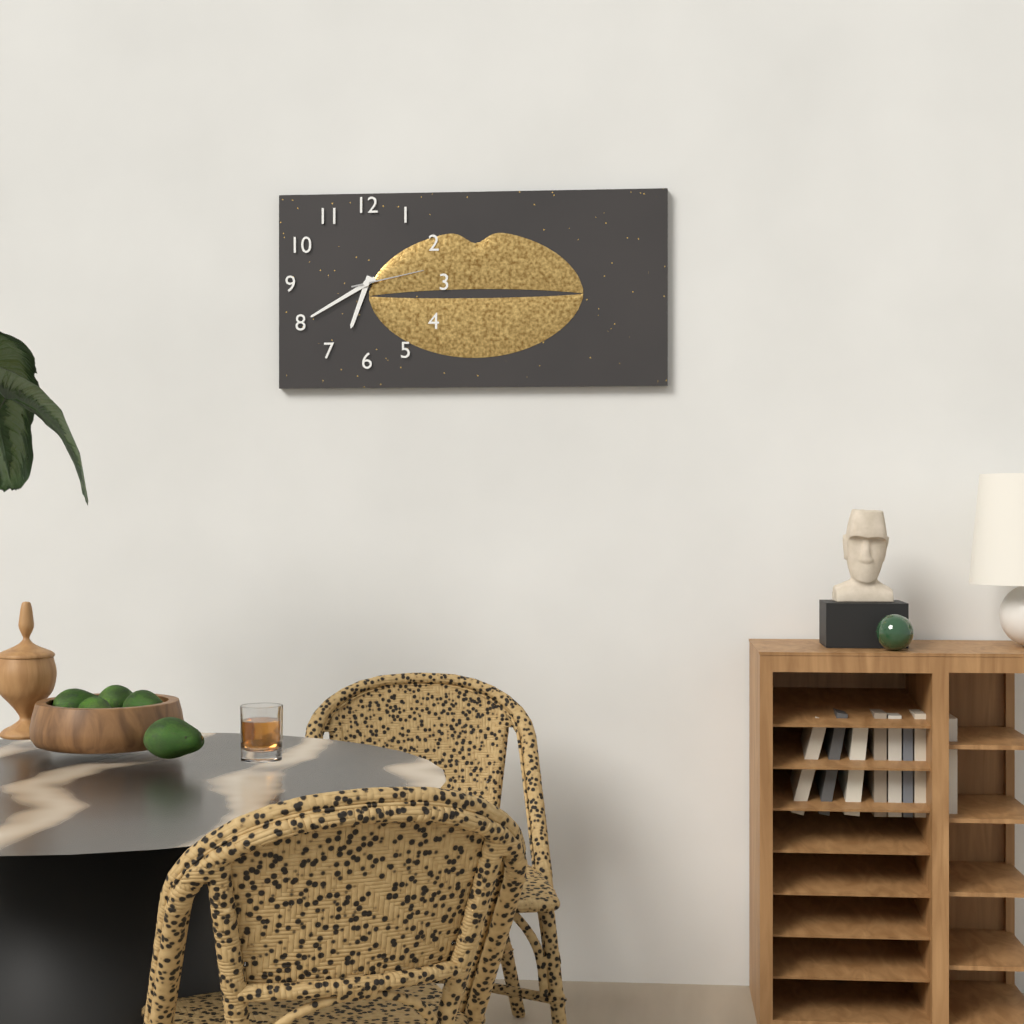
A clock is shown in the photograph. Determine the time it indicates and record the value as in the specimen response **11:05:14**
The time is **6:40:13**
